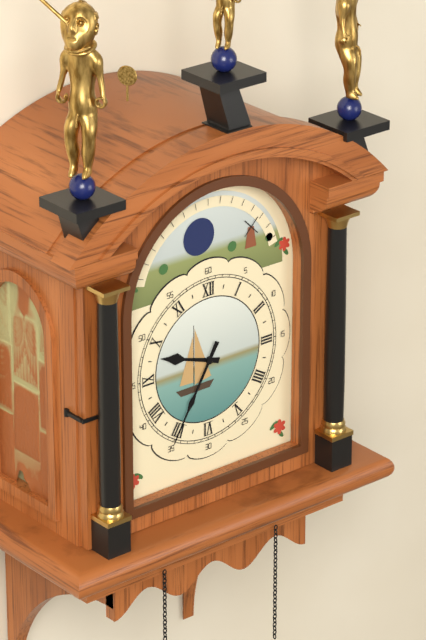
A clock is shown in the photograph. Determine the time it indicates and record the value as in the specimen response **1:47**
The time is **9:35**
